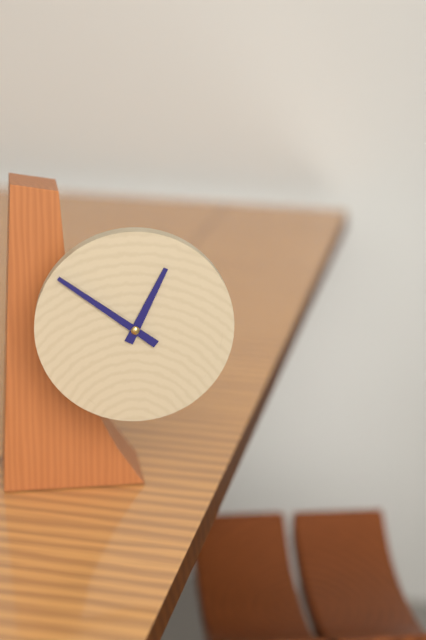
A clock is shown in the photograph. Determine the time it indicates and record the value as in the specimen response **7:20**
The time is **12:51**
